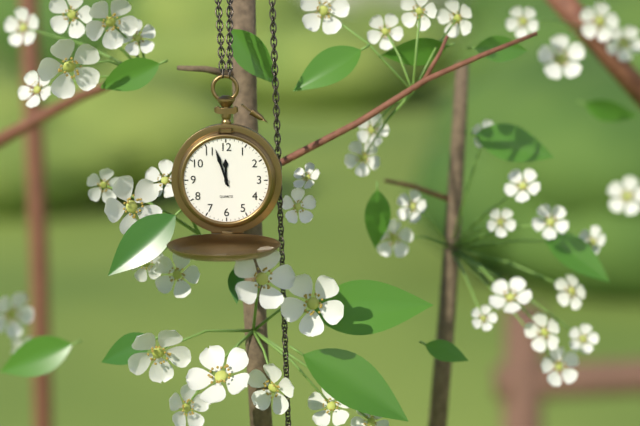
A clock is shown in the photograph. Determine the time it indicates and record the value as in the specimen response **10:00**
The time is **11:57**
